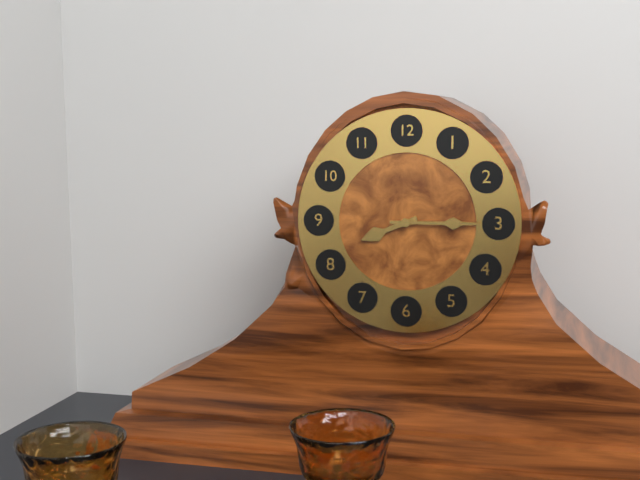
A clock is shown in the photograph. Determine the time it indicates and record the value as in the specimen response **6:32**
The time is **8:15**
